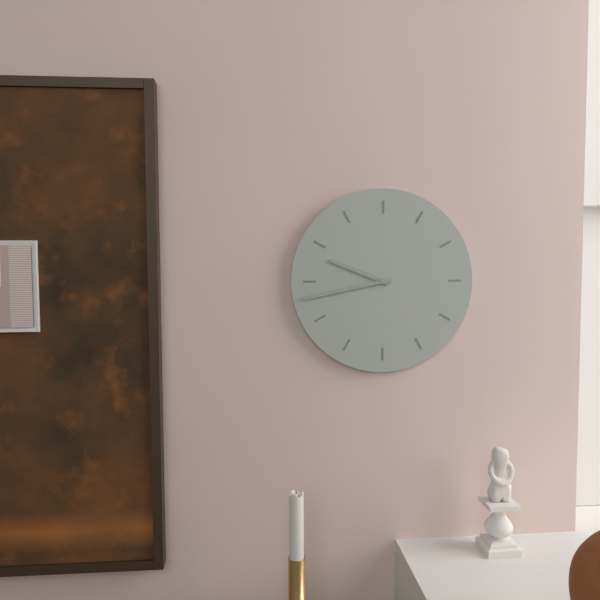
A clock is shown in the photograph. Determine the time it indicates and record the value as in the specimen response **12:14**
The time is **9:43**
